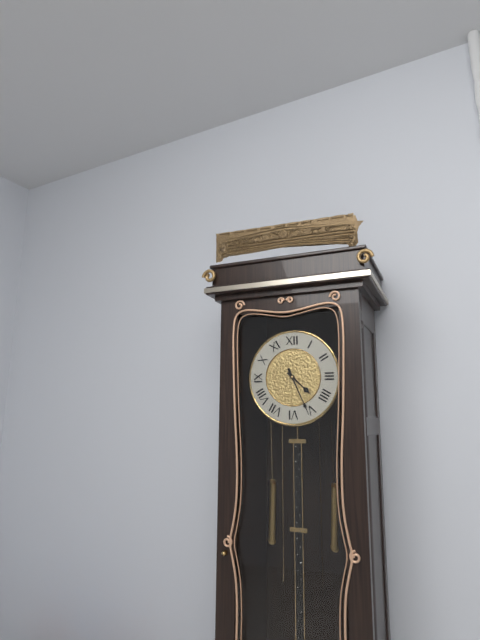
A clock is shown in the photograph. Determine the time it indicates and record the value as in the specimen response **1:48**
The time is **4:26**
